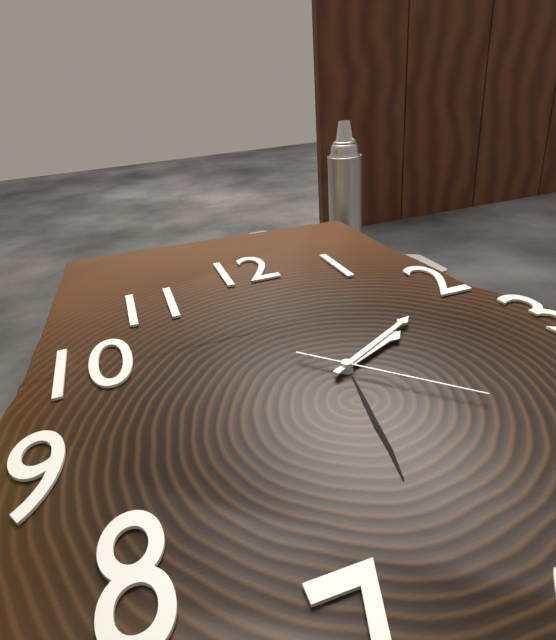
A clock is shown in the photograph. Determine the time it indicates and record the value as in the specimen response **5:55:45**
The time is **2:10:23**
